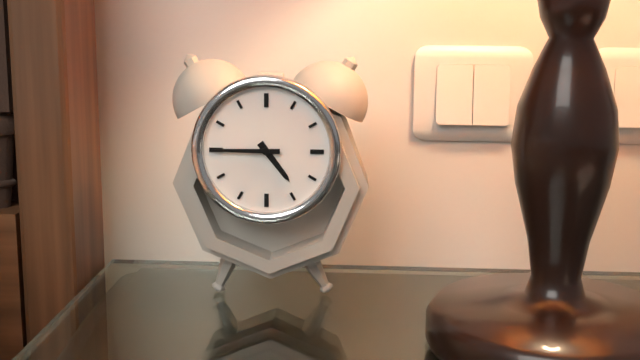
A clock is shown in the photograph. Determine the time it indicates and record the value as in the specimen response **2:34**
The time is **4:45**
